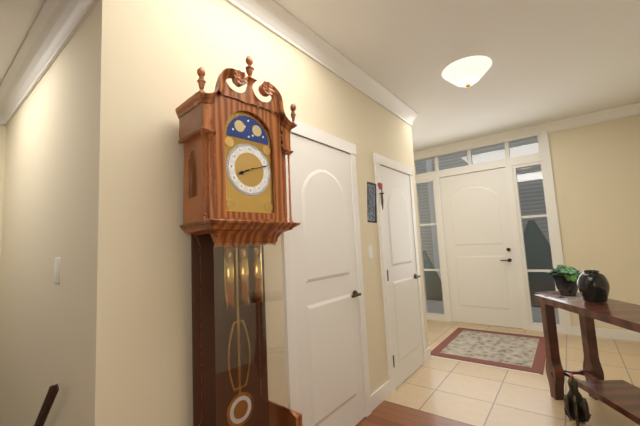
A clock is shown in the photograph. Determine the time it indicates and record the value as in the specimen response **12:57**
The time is **8:12**
